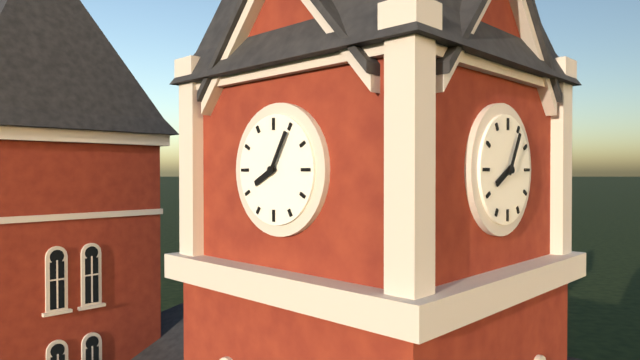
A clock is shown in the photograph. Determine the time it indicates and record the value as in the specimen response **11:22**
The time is **8:05**
